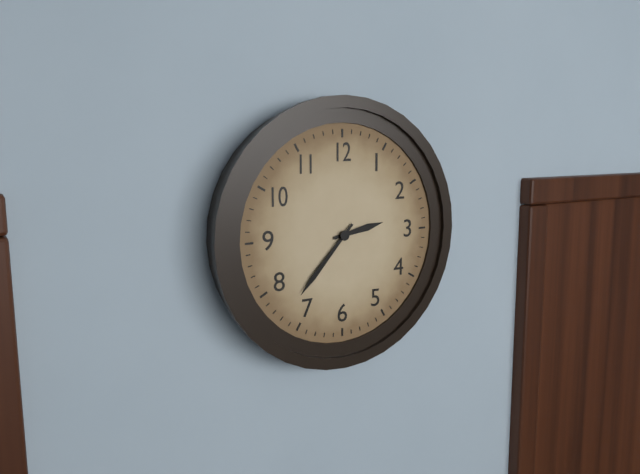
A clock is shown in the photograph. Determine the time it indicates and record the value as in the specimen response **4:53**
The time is **2:37**
